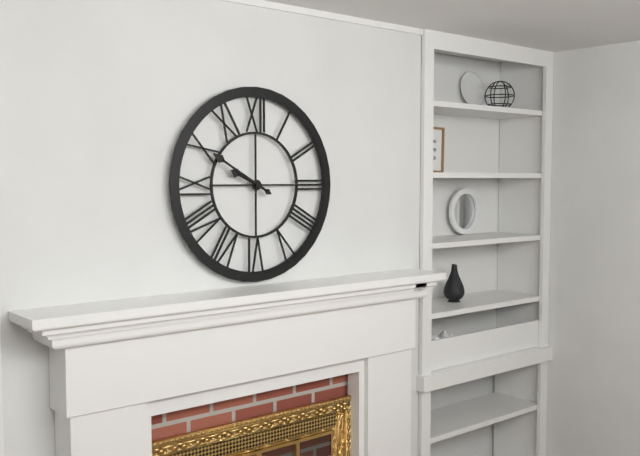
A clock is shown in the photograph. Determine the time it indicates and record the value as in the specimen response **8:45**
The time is **9:50**
